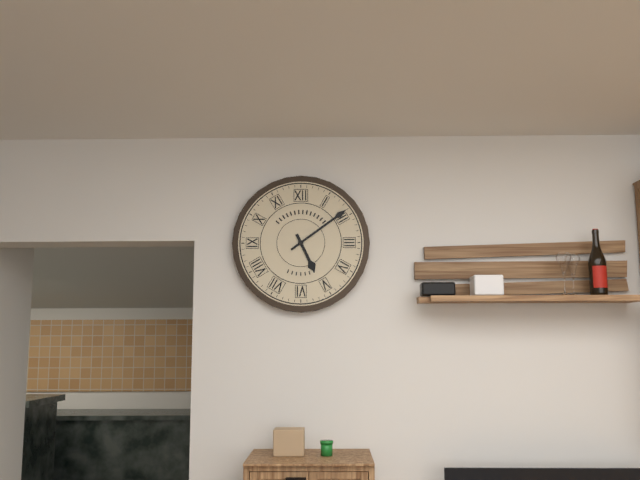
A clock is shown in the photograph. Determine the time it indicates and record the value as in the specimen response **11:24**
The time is **5:09**
